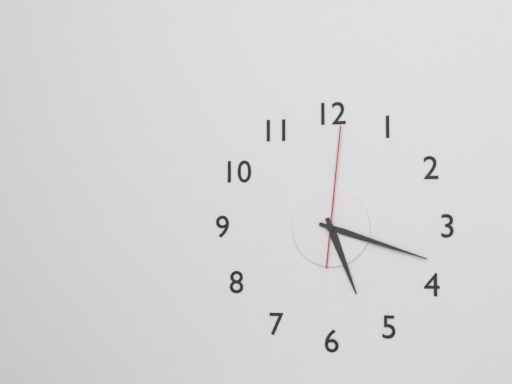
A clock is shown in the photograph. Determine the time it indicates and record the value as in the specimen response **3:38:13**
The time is **5:18:01**
